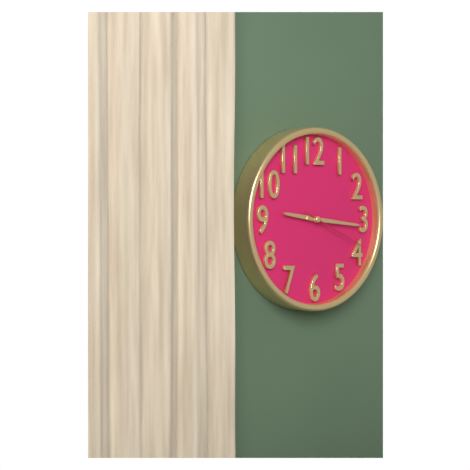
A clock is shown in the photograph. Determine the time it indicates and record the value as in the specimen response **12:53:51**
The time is **9:16:19**
